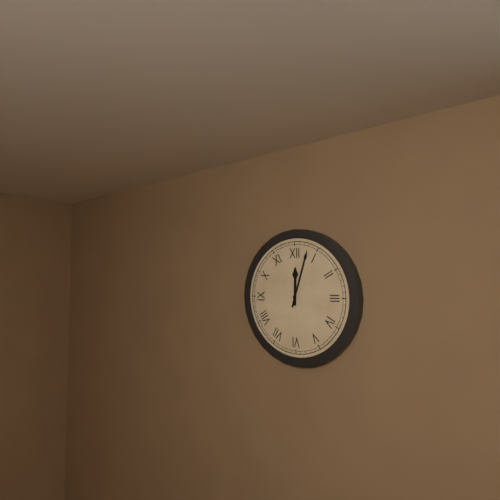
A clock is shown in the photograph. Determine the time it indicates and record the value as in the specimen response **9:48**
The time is **12:03**
